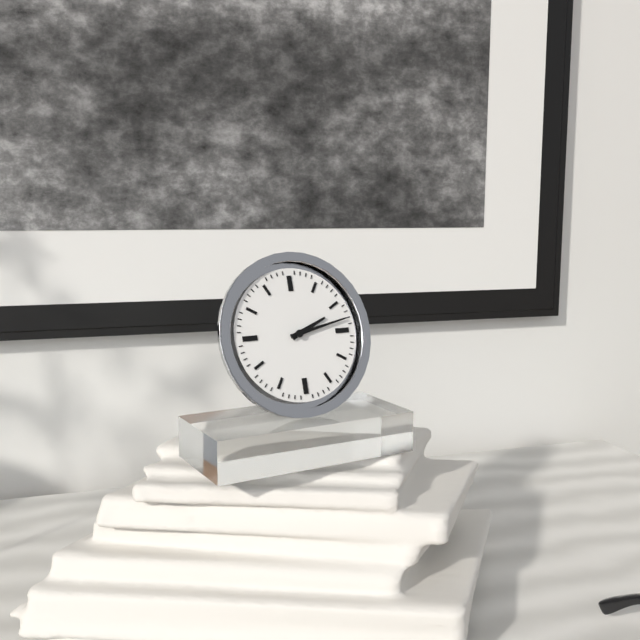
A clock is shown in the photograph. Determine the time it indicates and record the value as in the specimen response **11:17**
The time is **2:13**
